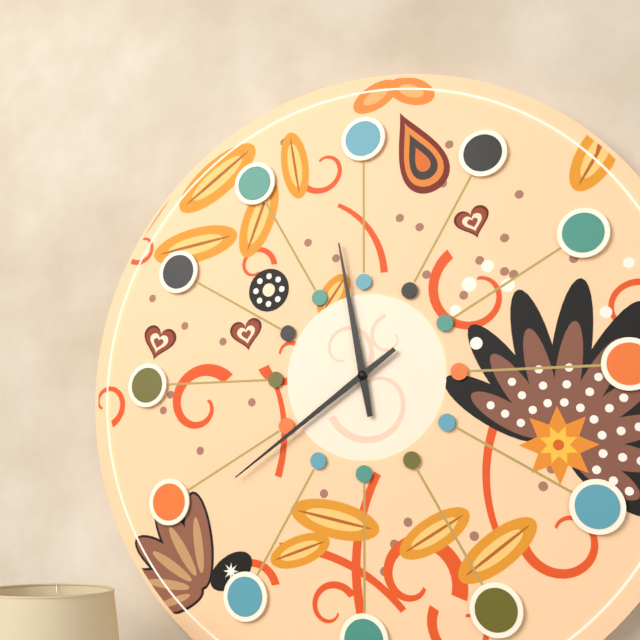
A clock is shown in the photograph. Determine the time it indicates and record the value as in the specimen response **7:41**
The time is **11:39**
